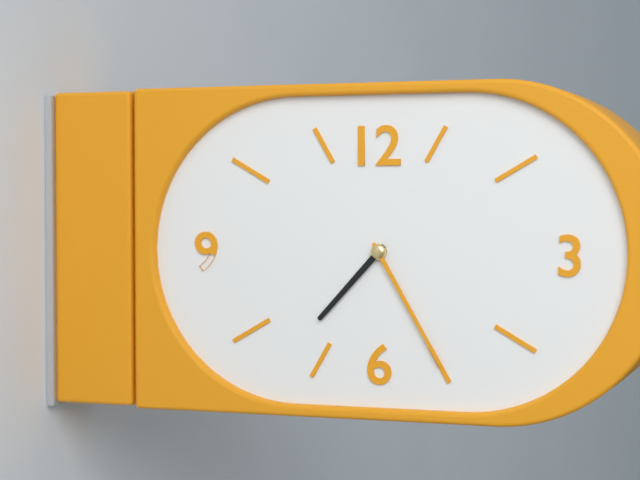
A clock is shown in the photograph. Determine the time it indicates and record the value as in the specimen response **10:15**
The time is **7:25**
